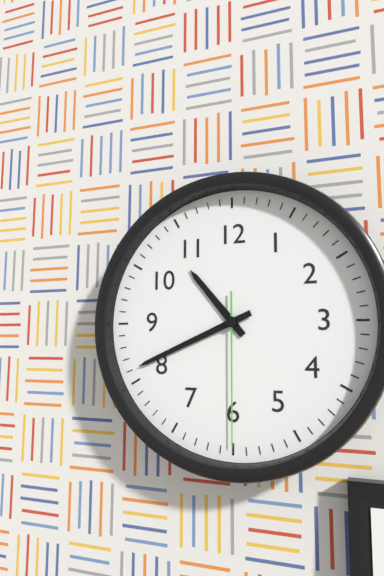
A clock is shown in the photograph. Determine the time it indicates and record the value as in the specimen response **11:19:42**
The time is **10:41:30**
